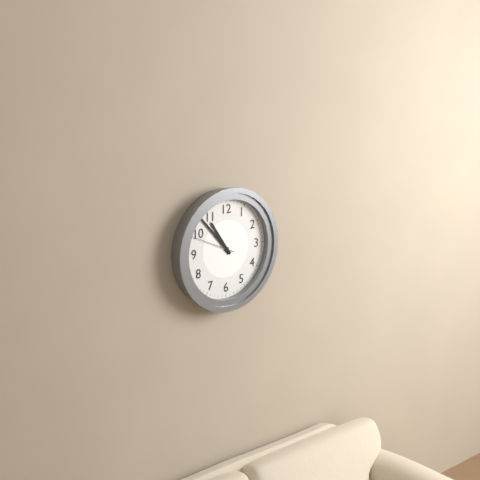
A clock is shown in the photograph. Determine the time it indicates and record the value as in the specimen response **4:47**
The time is **10:53**
